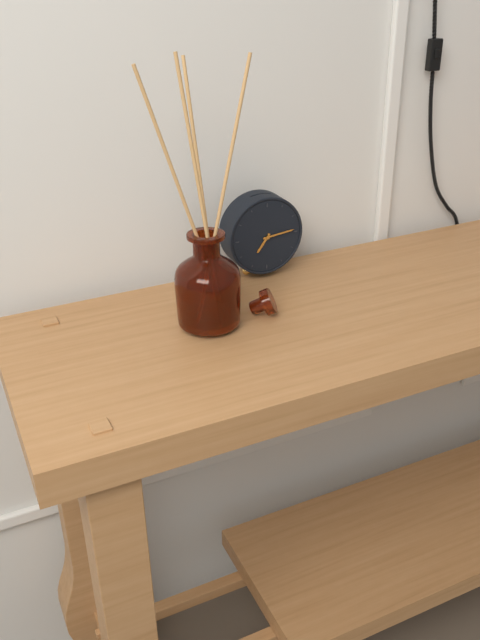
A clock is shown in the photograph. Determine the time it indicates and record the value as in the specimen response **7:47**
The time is **7:14**
